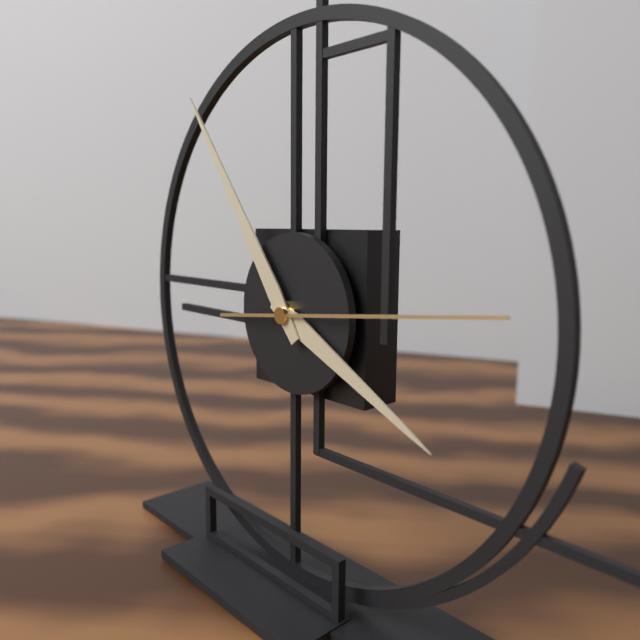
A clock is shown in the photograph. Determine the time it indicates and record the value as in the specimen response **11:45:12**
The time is **3:54:14**
